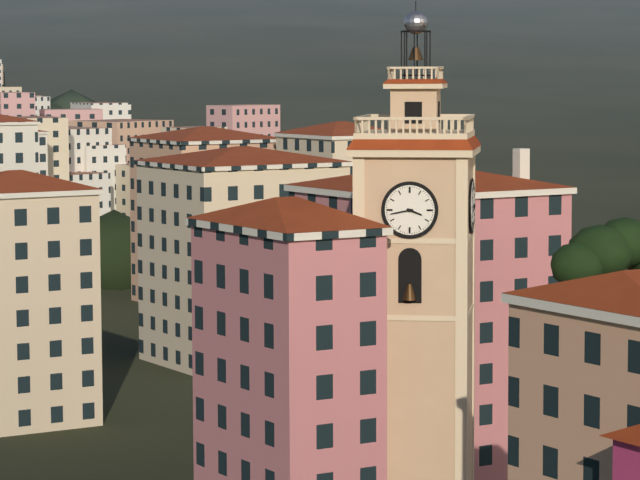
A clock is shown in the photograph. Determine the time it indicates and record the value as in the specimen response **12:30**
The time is **3:43**
